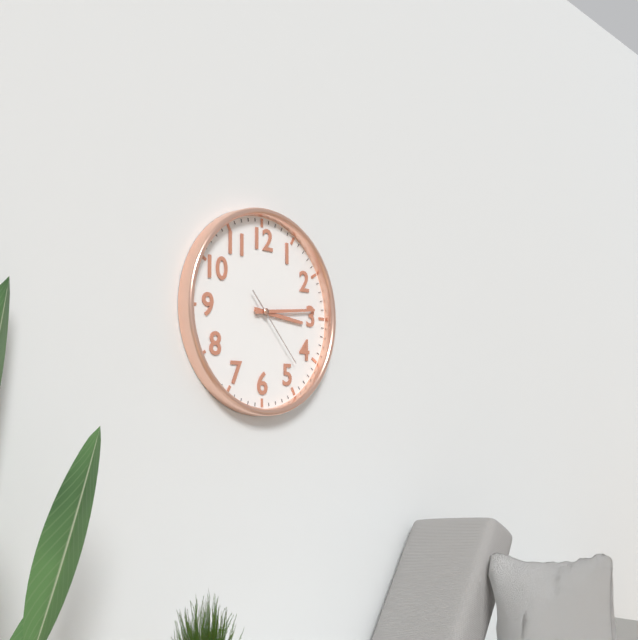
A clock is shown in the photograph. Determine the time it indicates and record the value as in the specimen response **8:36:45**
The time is **3:14:23**
